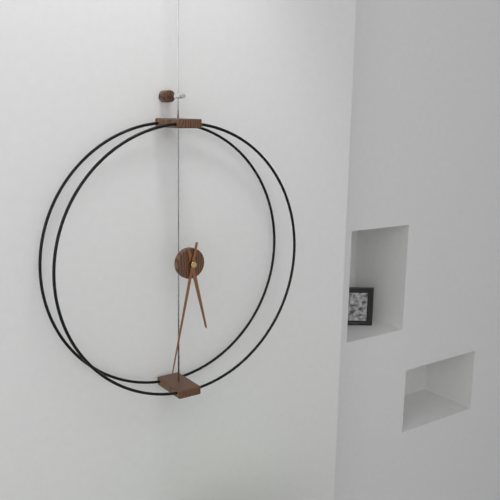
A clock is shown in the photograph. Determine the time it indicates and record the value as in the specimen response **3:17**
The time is **5:32**
